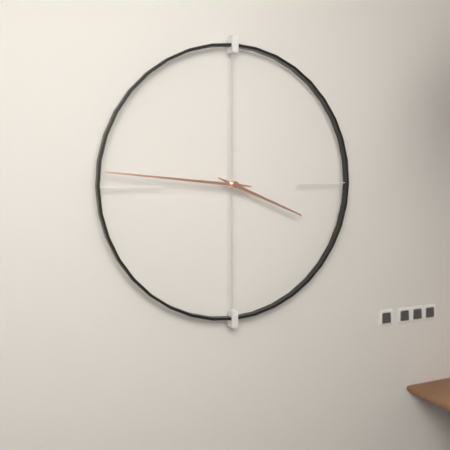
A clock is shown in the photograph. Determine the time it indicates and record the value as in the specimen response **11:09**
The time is **3:46**
